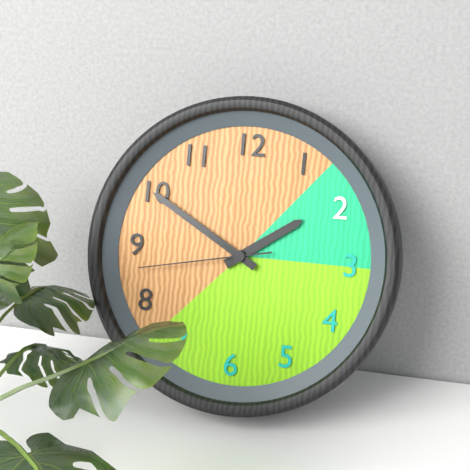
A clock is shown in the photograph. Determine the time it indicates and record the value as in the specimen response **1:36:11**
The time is **1:50:43**
